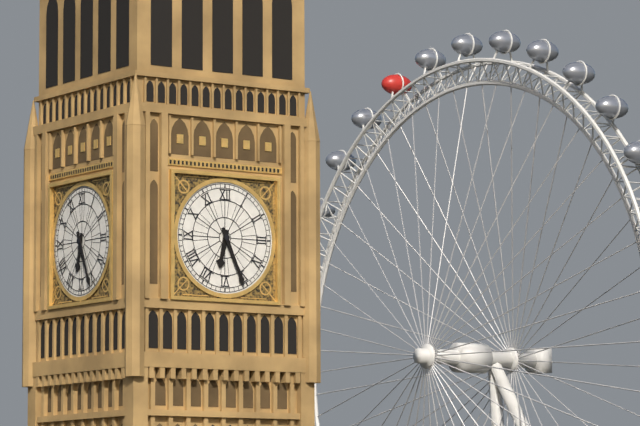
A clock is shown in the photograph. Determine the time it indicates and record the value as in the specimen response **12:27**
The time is **6:26**
